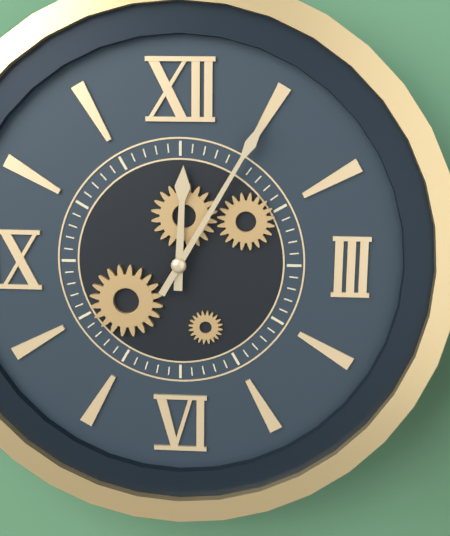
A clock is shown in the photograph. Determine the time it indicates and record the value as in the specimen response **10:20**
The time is **12:05**
